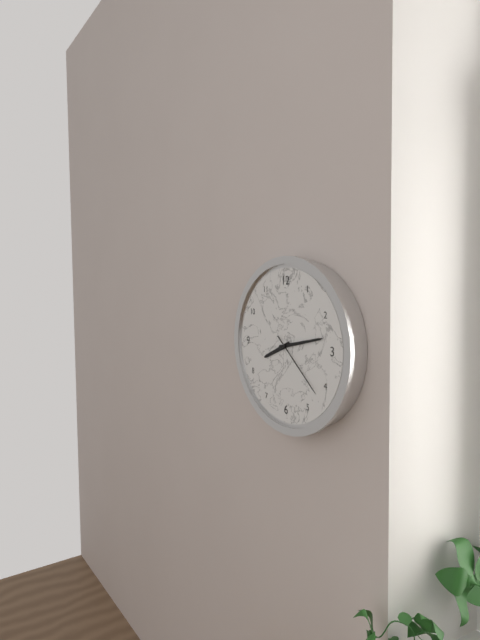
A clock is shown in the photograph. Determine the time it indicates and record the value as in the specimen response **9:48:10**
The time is **8:13:22**
